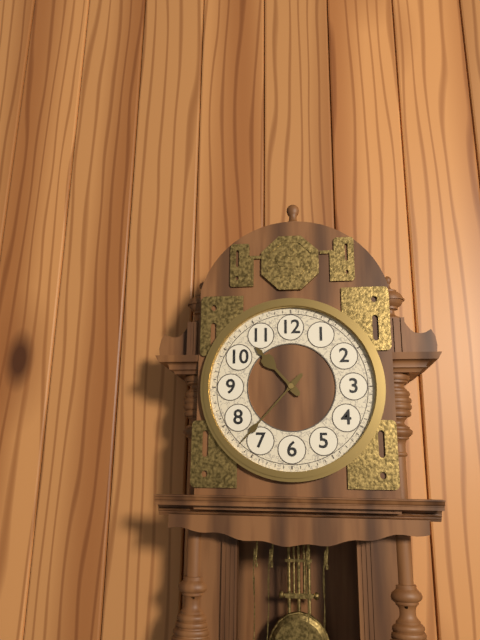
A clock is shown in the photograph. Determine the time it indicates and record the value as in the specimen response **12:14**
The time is **10:37**
